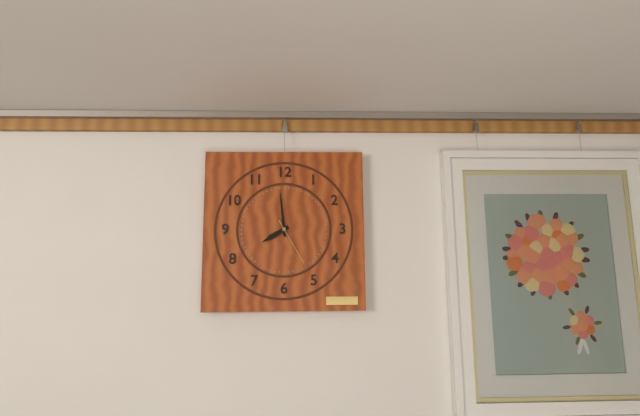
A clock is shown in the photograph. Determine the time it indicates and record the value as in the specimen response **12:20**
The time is **7:59**
